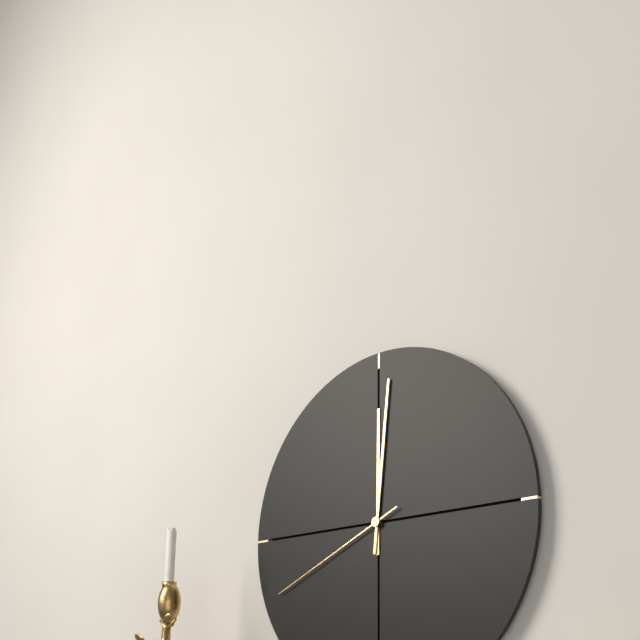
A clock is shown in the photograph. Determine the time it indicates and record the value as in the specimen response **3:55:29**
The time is **12:01:41**
